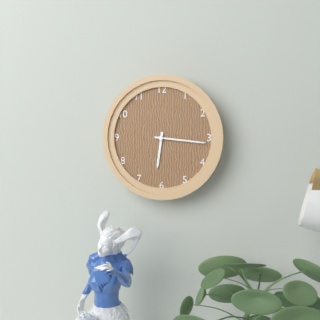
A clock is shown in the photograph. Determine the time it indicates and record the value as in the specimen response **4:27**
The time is **6:16**
